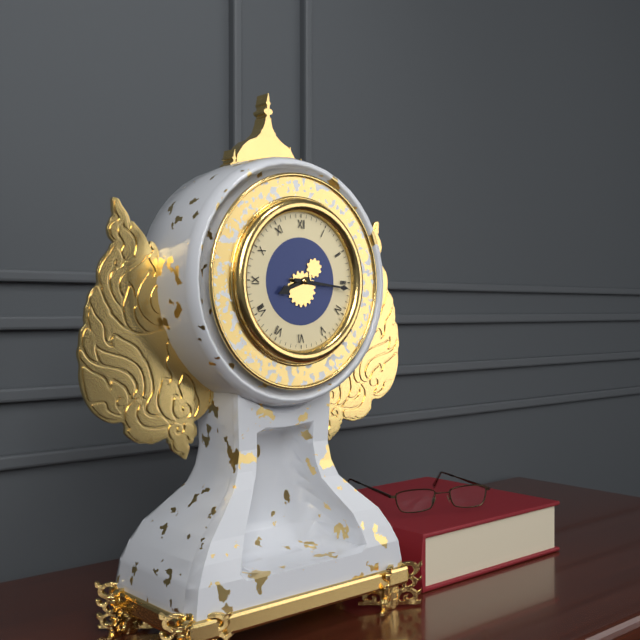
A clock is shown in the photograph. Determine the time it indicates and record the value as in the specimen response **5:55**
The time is **8:16**
